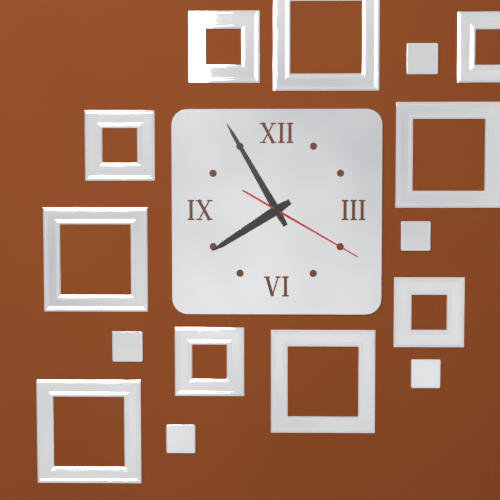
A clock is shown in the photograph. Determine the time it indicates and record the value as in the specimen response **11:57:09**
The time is **7:55:20**
